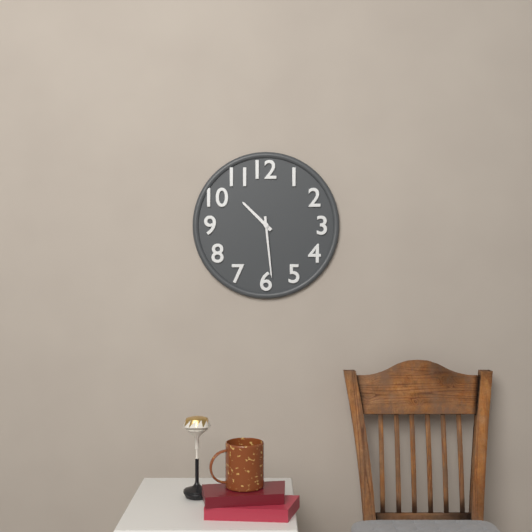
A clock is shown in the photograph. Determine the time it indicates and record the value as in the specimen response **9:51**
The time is **10:29**
